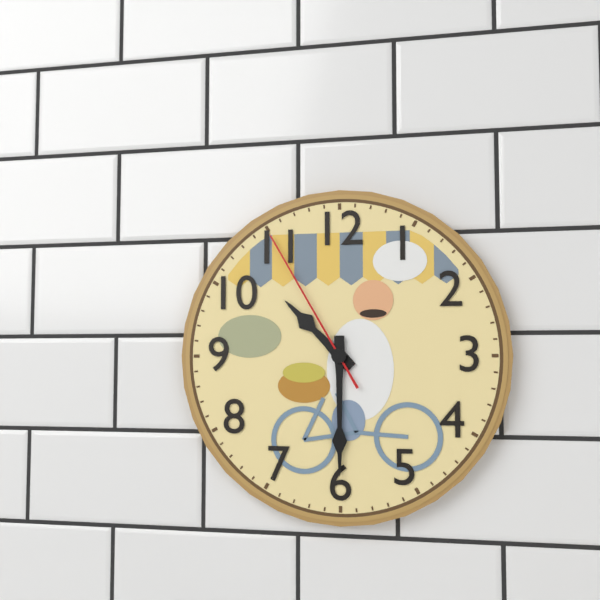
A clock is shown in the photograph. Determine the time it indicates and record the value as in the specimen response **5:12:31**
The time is **10:30:55**
